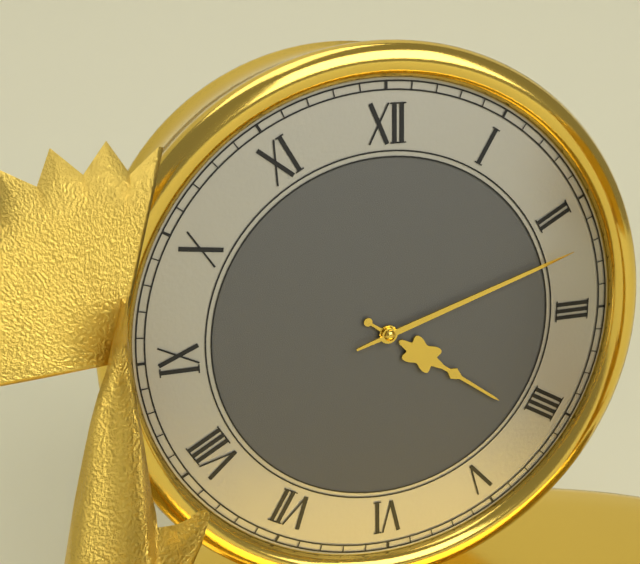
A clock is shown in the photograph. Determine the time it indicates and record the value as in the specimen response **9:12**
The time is **4:12**
